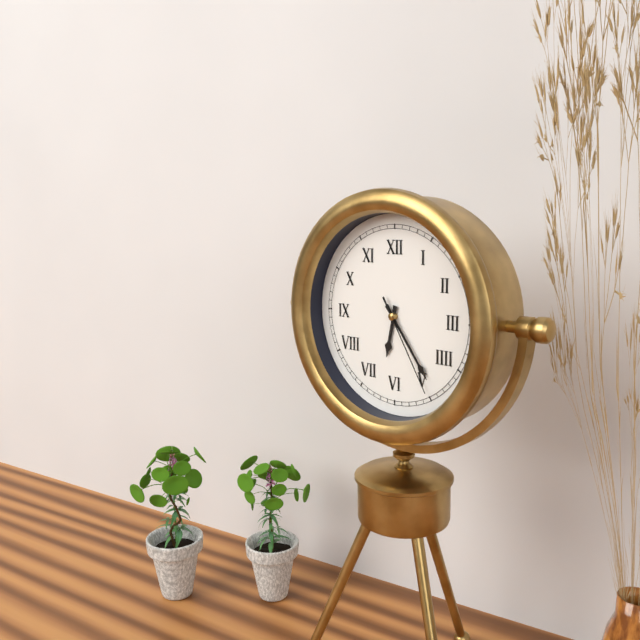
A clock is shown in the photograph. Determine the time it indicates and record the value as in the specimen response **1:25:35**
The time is **6:24:25**
